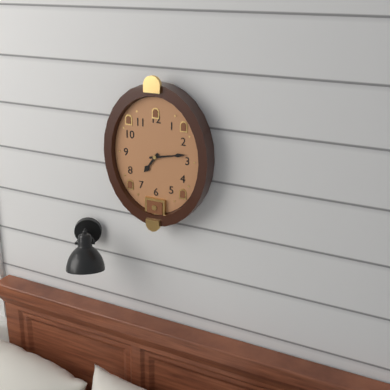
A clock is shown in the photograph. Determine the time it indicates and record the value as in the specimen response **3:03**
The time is **7:13**
